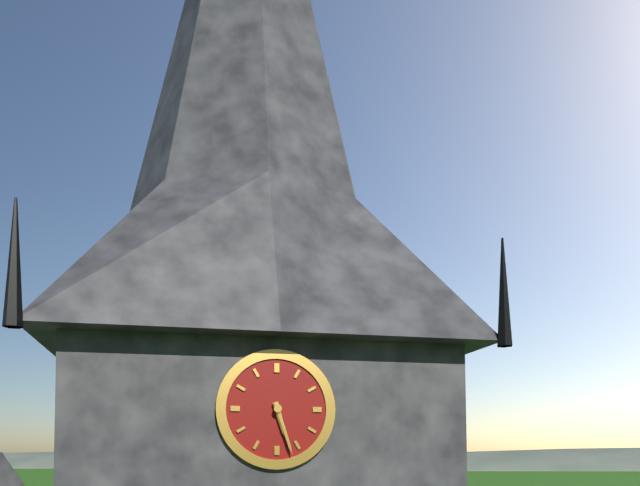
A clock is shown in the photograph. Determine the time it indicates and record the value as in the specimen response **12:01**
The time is **5:27**
